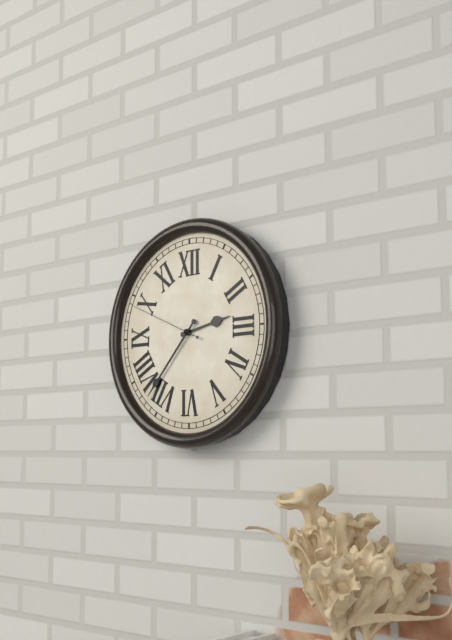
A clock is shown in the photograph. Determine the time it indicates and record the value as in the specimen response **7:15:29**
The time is **2:37:49**
